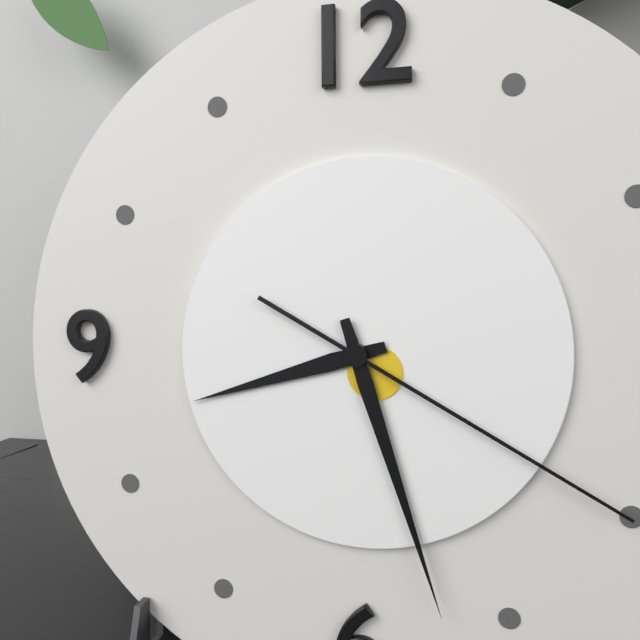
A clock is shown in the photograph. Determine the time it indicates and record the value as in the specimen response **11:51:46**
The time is **8:27:20**
